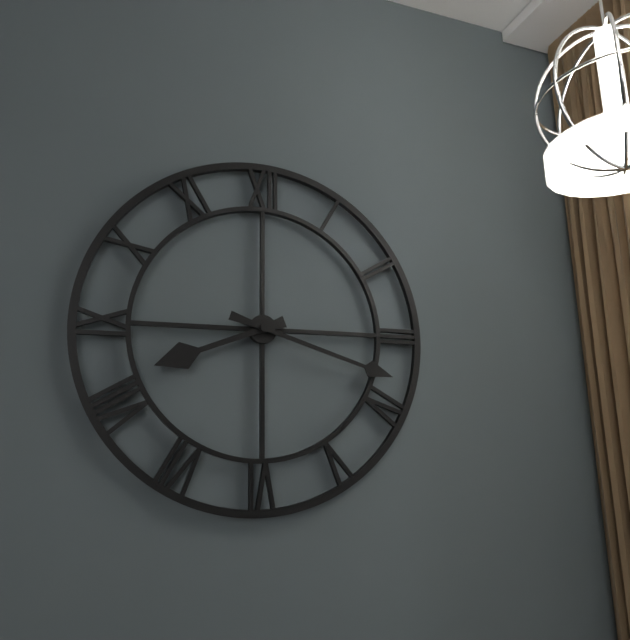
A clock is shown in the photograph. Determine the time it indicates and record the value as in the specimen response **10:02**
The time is **8:18**
